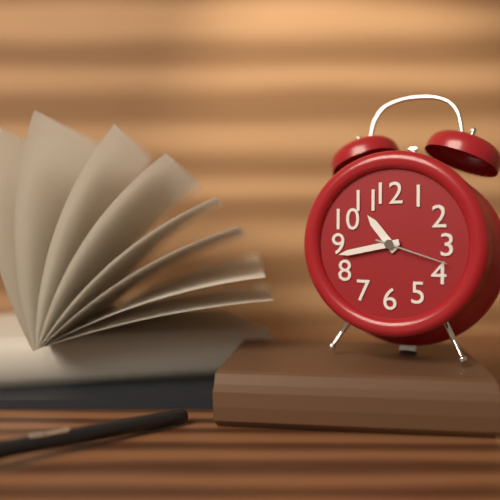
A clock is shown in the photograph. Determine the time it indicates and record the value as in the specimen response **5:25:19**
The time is **10:43:18**
